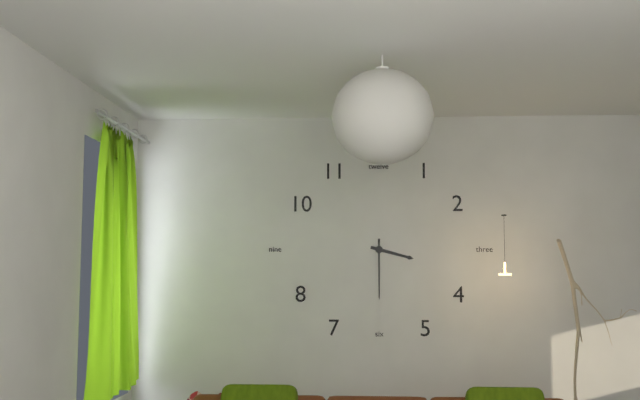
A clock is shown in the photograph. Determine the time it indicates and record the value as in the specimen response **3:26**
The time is **3:30**
